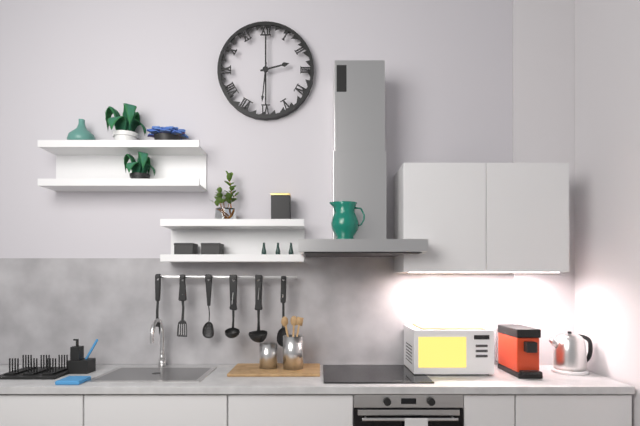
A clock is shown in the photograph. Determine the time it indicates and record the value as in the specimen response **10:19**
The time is **2:31**
